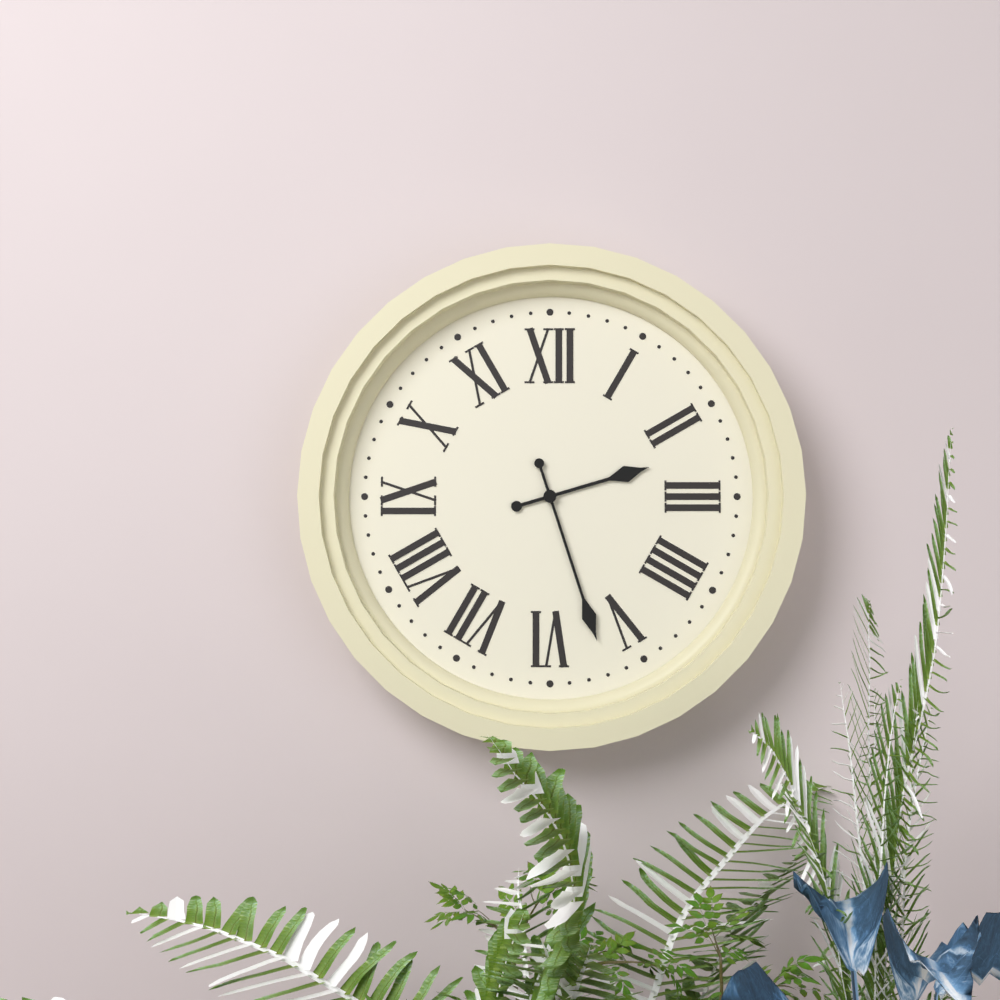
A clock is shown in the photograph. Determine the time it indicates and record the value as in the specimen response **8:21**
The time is **2:27**
